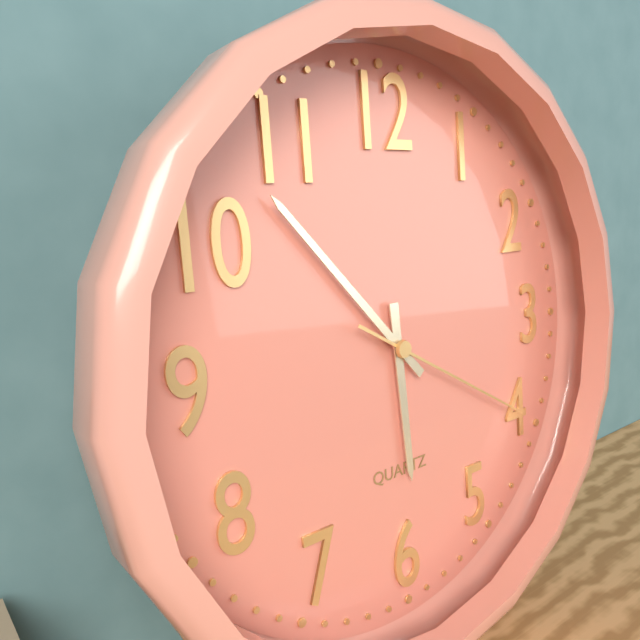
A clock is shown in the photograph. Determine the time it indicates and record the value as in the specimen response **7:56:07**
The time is **5:53:20**
